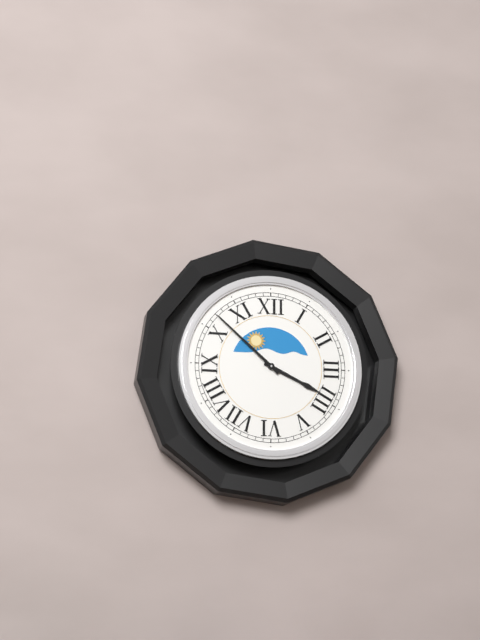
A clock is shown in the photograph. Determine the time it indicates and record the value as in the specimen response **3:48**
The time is **3:52**
